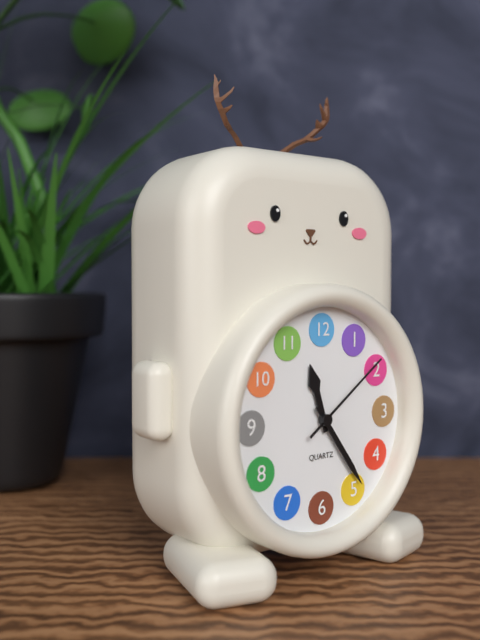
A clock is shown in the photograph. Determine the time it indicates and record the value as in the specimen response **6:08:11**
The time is **11:24:09**
